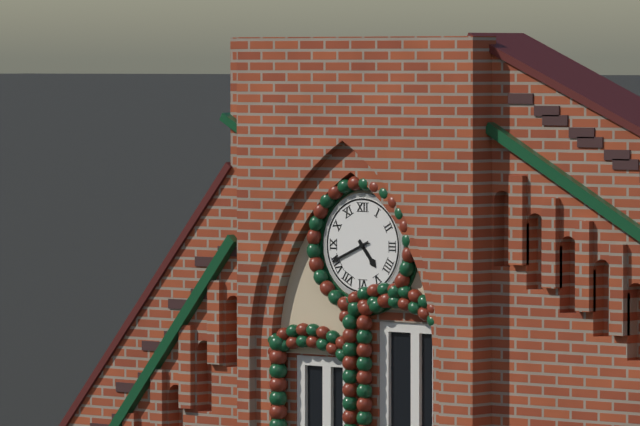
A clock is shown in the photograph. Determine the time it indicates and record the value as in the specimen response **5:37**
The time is **4:41**
